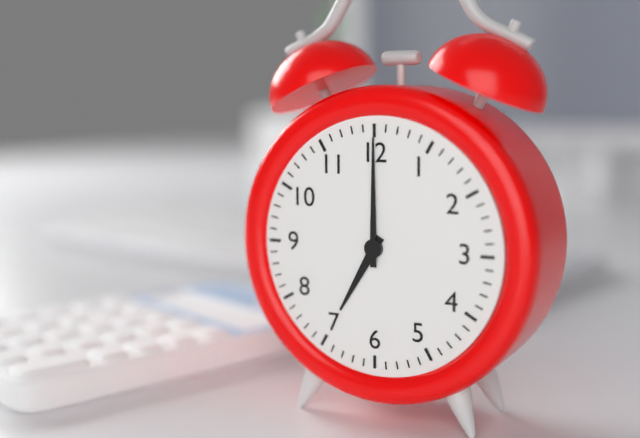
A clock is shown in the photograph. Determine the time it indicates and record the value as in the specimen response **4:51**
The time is **7:00**
